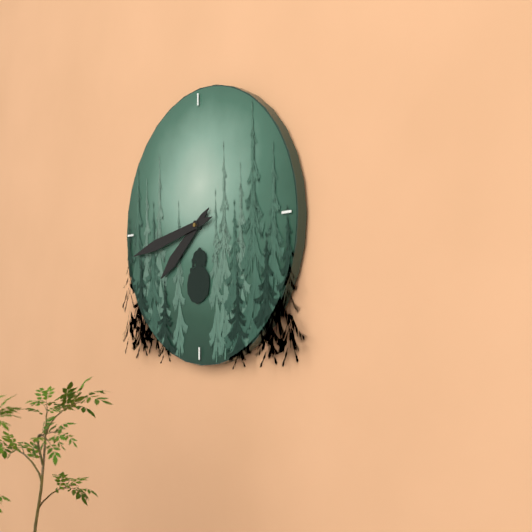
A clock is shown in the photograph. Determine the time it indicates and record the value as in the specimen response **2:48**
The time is **7:43**
